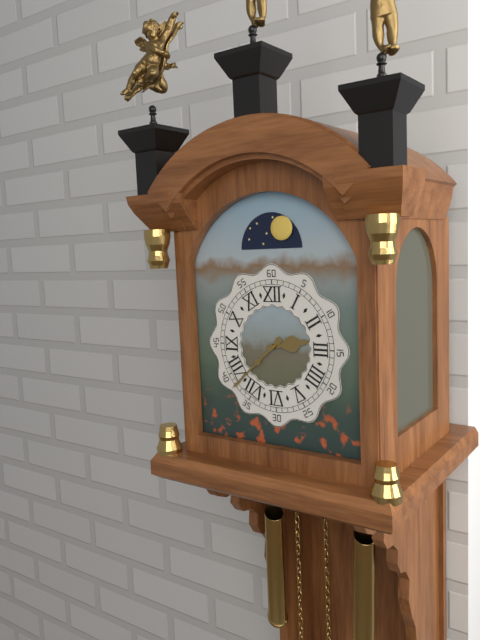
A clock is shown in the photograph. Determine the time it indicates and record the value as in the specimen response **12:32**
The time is **2:38**
